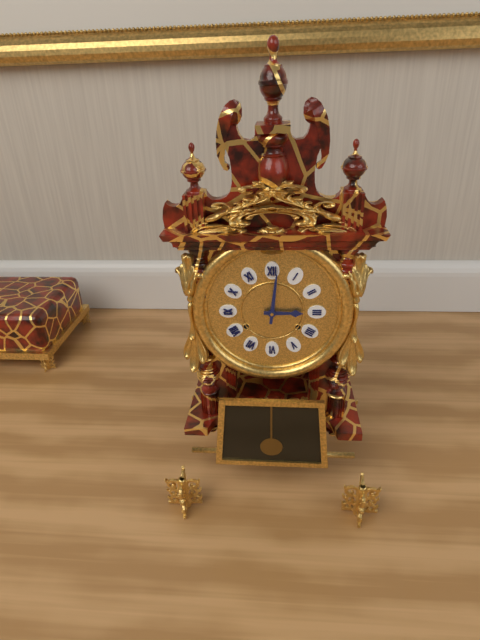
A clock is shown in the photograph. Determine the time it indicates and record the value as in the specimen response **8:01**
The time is **3:01**
